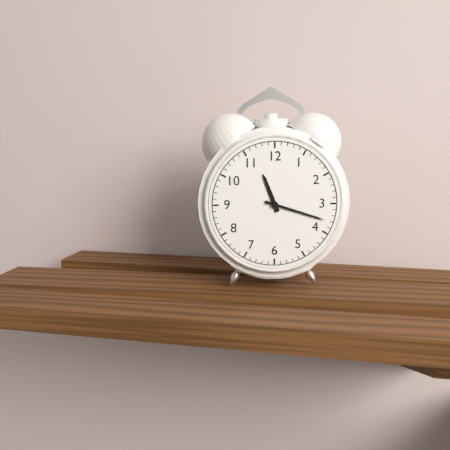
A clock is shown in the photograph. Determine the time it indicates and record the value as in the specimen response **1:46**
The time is **11:18**
